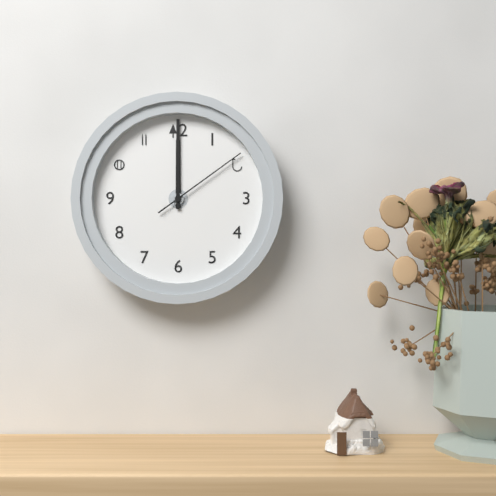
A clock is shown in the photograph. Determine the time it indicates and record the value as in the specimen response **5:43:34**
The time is **12:00:09**
